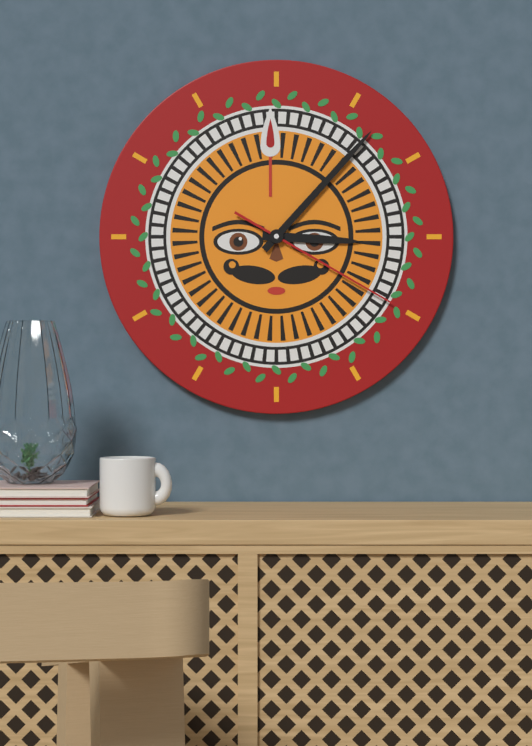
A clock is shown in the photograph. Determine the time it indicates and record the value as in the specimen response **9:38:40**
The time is **3:07:20**
